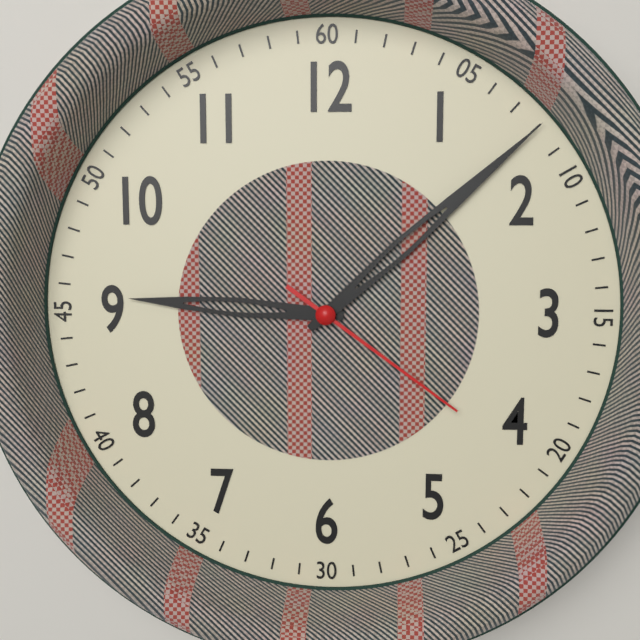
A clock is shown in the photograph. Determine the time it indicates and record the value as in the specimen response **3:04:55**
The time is **9:08:21**
